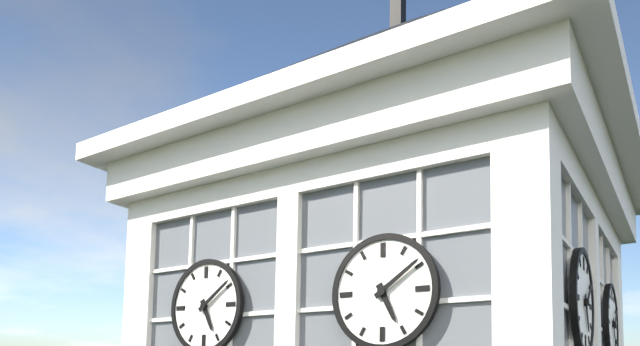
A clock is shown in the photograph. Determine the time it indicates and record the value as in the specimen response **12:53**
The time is **5:09**
